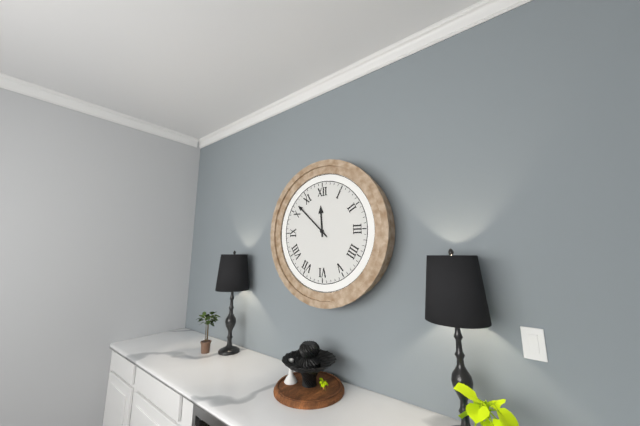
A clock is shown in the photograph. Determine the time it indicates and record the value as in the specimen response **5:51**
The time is **11:52**
